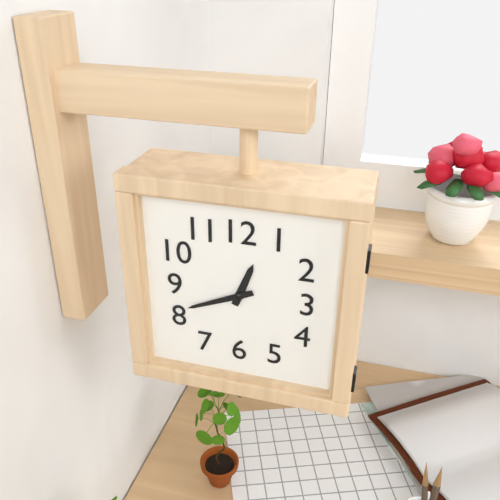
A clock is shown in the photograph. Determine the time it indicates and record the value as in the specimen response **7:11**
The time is **12:41**
